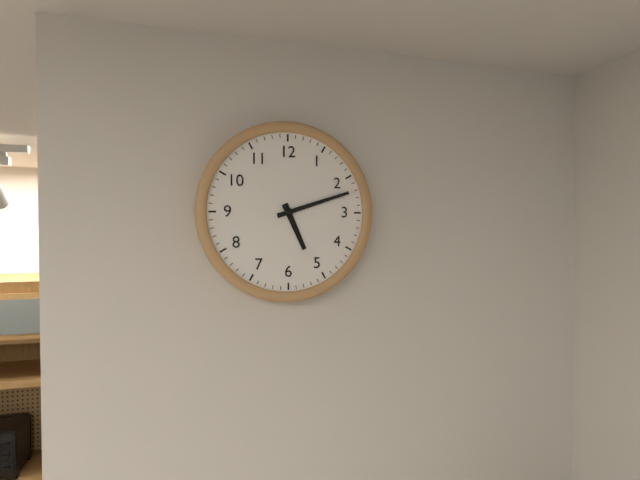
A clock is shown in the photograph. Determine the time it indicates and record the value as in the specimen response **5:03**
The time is **5:12**
